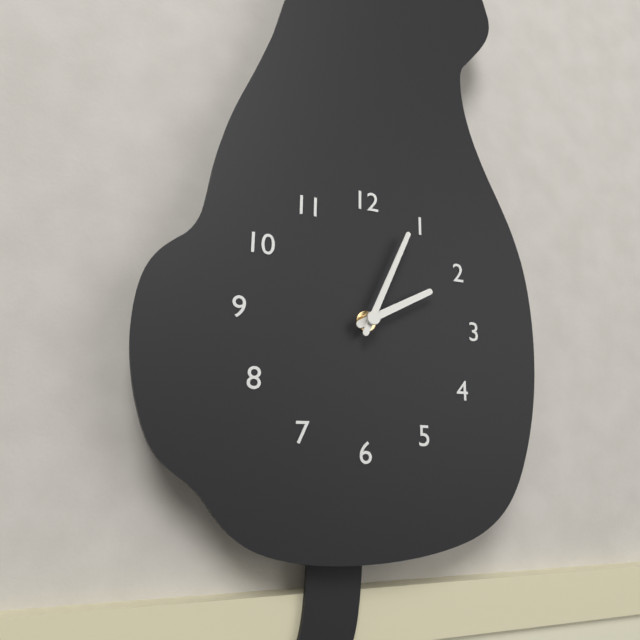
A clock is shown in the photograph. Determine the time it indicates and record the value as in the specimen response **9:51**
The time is **2:04**
